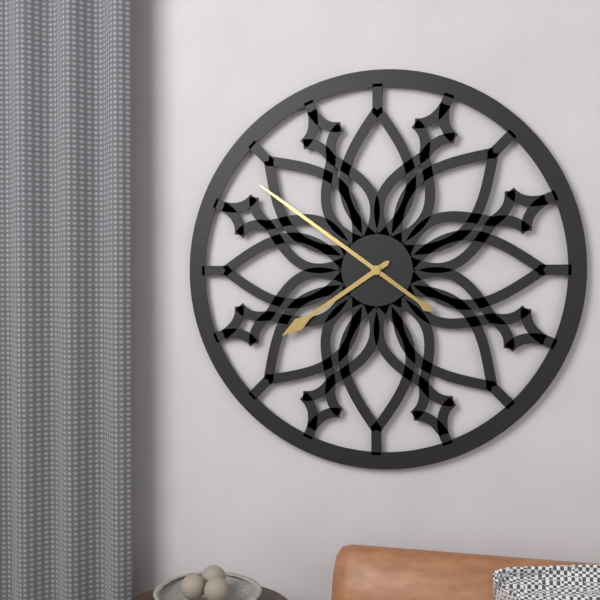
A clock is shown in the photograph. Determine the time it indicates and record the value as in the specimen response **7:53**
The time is **7:51**
